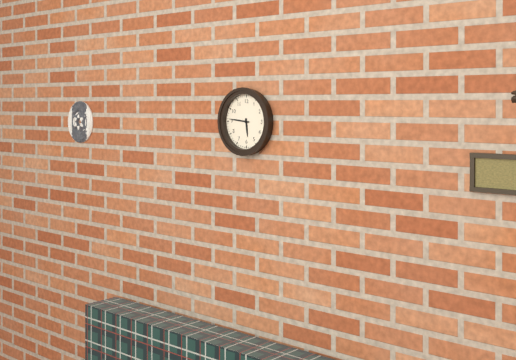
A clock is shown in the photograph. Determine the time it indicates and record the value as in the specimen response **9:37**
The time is **5:46**
